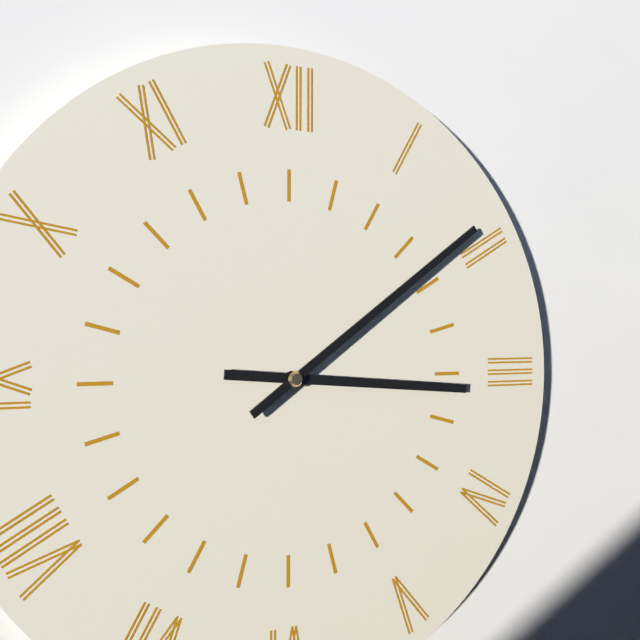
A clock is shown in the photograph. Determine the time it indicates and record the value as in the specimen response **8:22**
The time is **3:09**
